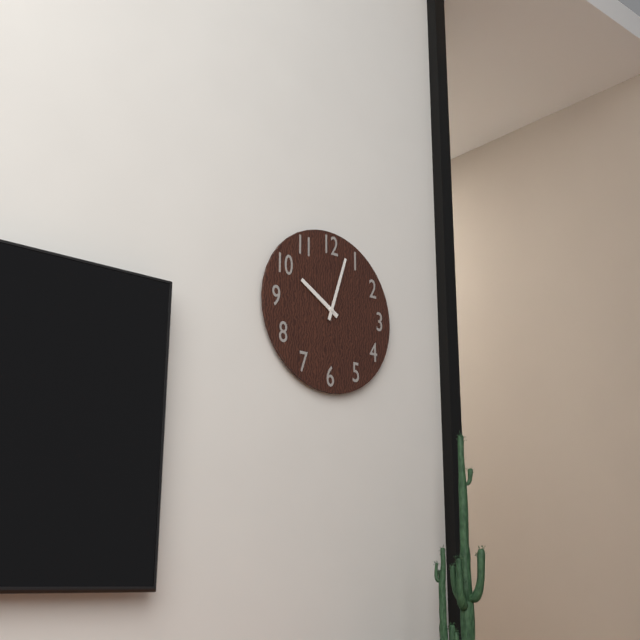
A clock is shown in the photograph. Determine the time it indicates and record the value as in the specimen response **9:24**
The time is **10:03**
